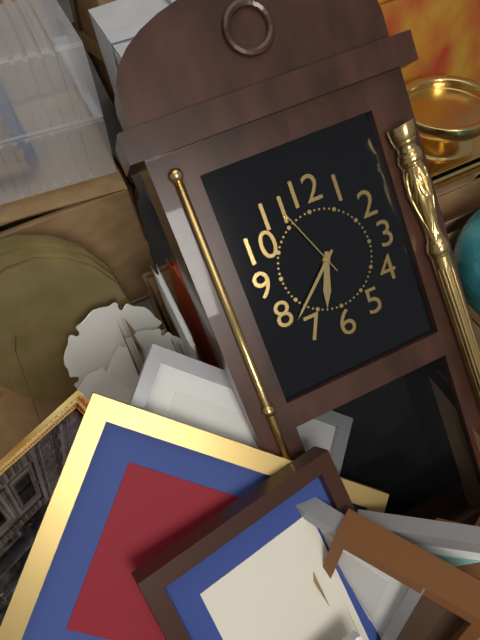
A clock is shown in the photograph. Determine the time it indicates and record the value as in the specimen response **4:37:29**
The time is **6:38:56**
